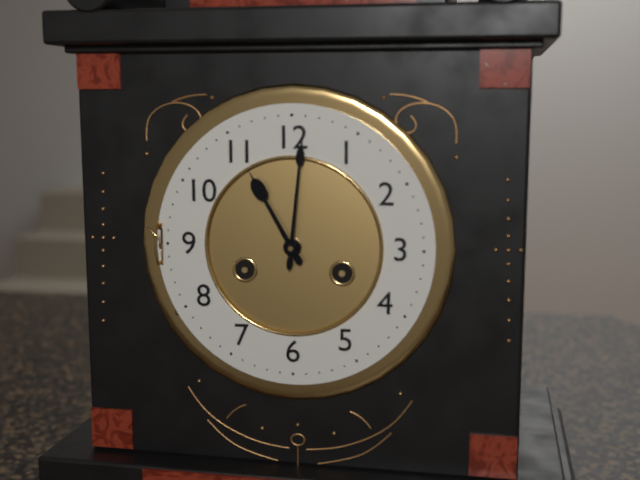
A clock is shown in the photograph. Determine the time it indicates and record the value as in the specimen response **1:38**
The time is **11:01**
